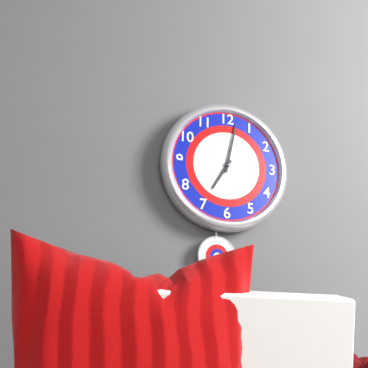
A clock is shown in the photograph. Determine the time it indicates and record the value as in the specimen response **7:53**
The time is **7:02**
